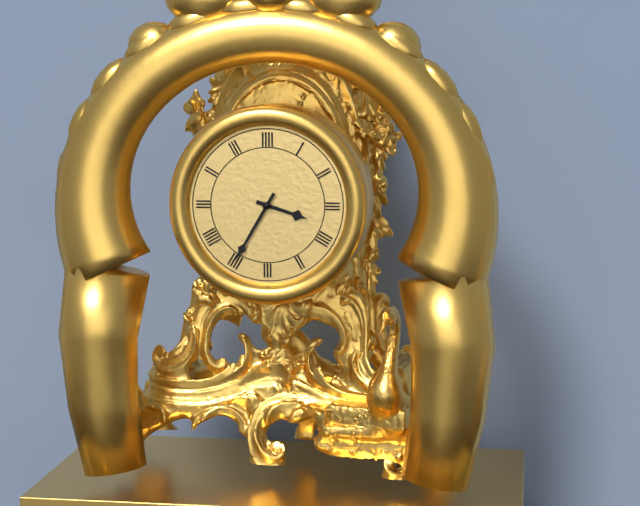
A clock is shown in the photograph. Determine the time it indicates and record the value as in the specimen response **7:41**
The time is **3:35**
